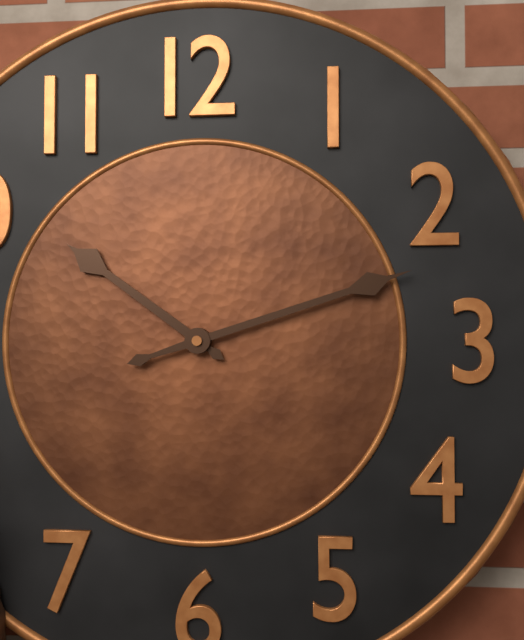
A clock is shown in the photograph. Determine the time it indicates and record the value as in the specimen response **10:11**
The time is **10:12**
